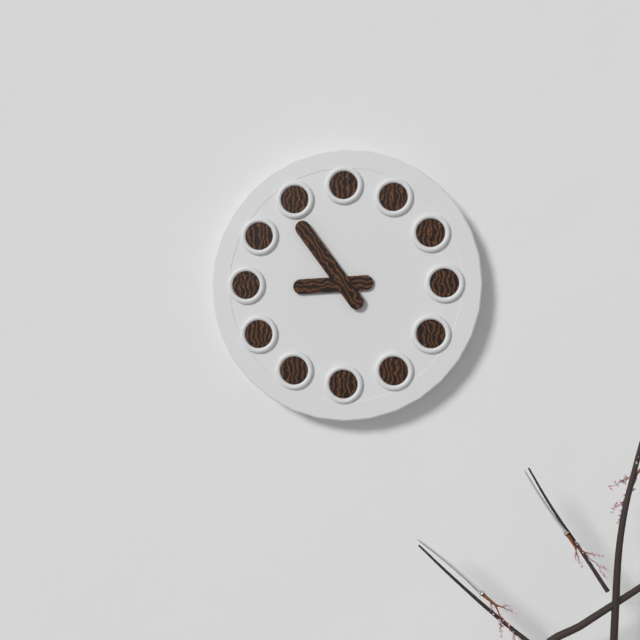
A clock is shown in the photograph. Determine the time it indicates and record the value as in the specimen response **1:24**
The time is **8:54**
